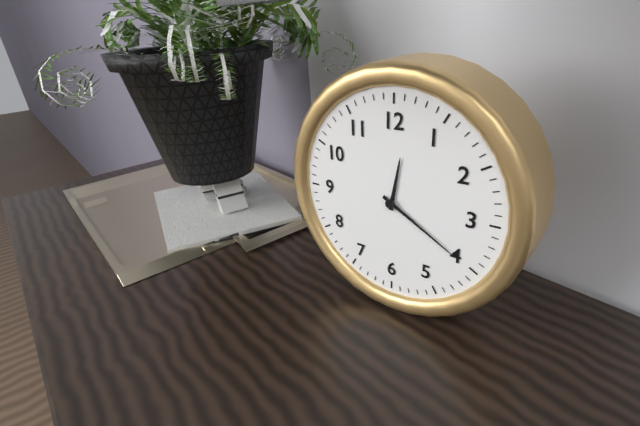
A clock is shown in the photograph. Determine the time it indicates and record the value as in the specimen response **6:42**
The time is **12:20**
